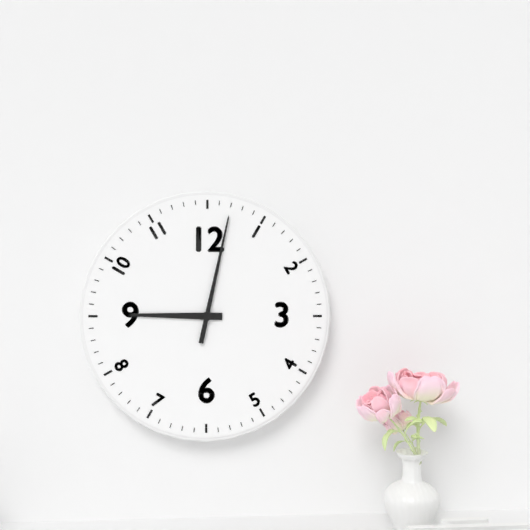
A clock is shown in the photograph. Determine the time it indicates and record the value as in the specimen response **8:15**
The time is **9:02**
